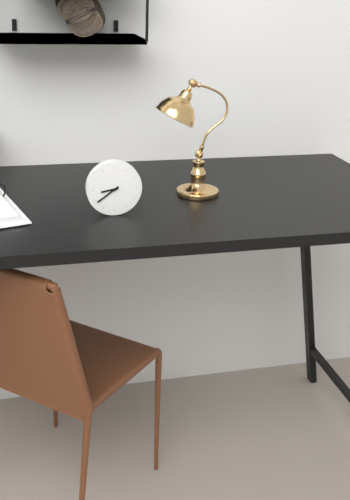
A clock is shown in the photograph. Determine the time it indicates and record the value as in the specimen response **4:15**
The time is **8:39**
